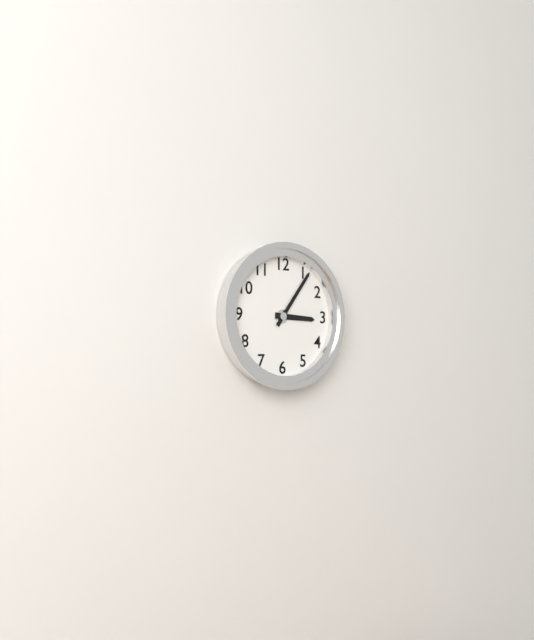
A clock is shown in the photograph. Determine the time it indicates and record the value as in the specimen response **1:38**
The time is **3:06**
